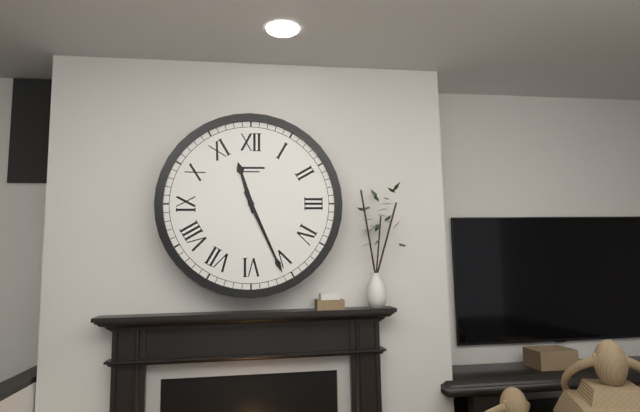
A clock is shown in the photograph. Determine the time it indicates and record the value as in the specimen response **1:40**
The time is **11:26**
